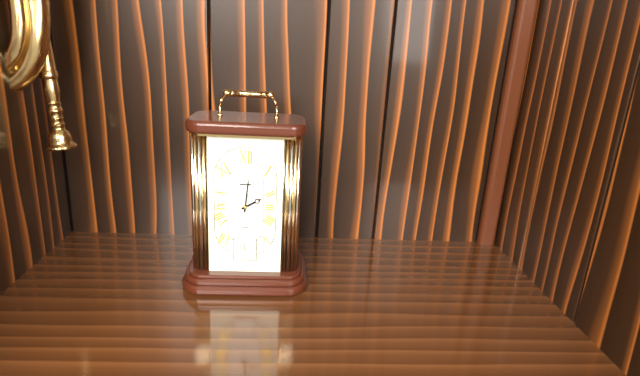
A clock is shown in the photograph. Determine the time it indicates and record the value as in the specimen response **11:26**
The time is **2:01**
